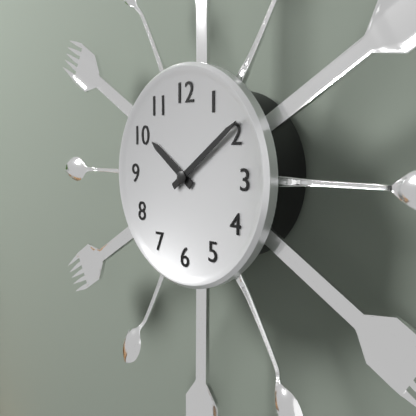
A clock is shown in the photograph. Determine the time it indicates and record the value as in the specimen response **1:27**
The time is **10:09**
